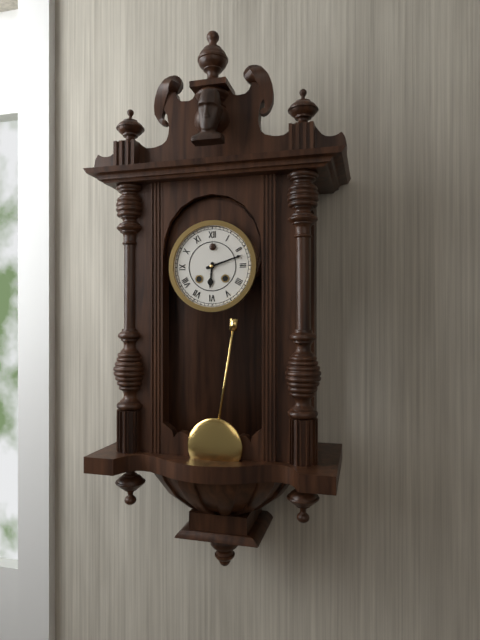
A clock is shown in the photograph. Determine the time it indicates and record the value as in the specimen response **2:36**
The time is **6:12**
